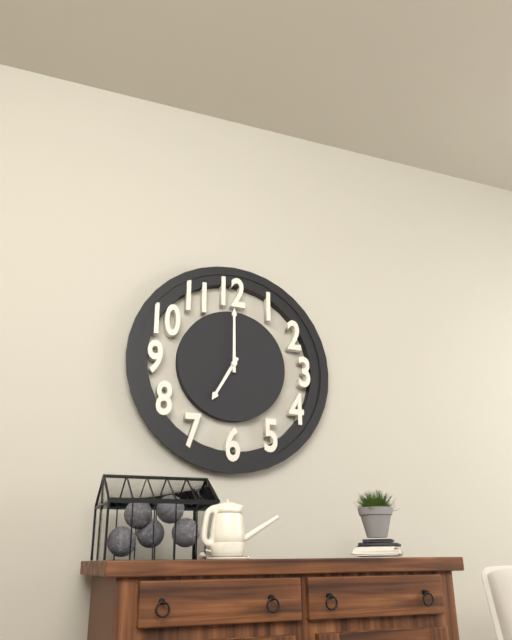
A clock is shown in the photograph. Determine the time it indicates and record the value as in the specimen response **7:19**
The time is **7:00**
